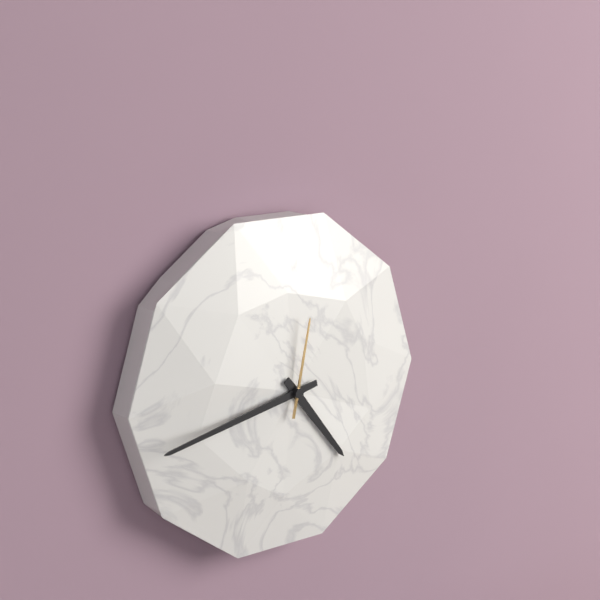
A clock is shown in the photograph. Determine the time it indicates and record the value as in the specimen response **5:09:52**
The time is **4:43:02**
